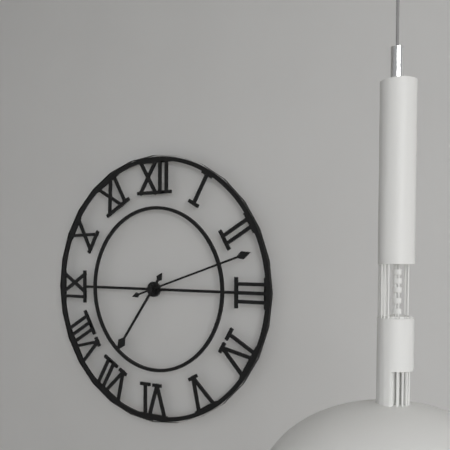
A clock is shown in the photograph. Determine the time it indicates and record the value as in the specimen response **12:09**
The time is **7:12**
